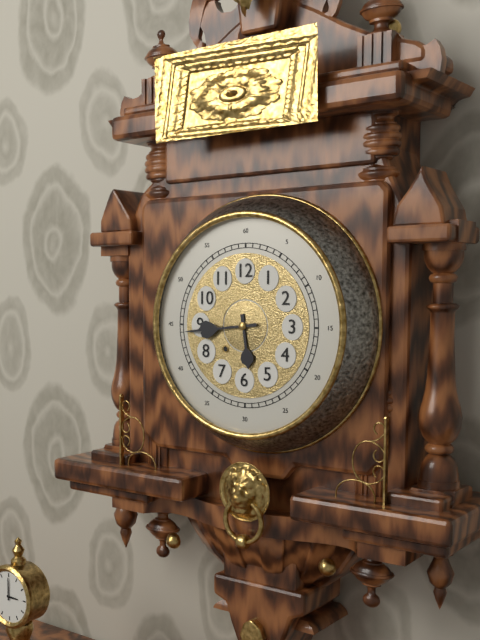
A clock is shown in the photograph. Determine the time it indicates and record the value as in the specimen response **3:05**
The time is **5:44**
